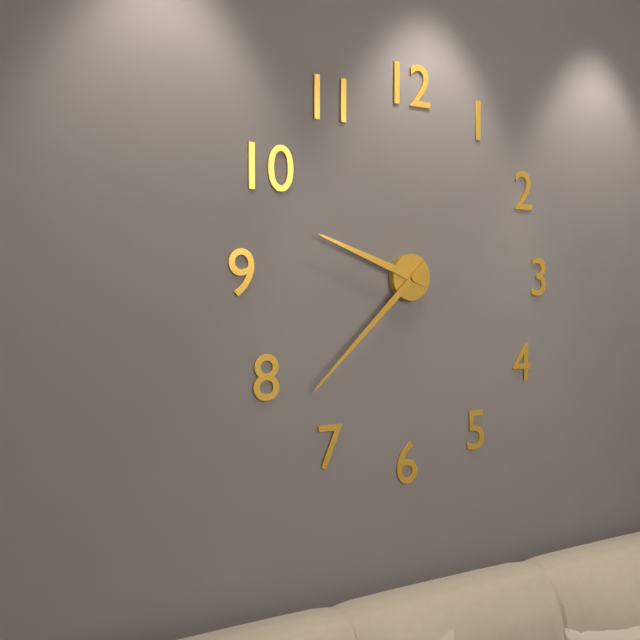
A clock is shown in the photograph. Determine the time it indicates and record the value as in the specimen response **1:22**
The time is **9:38**
